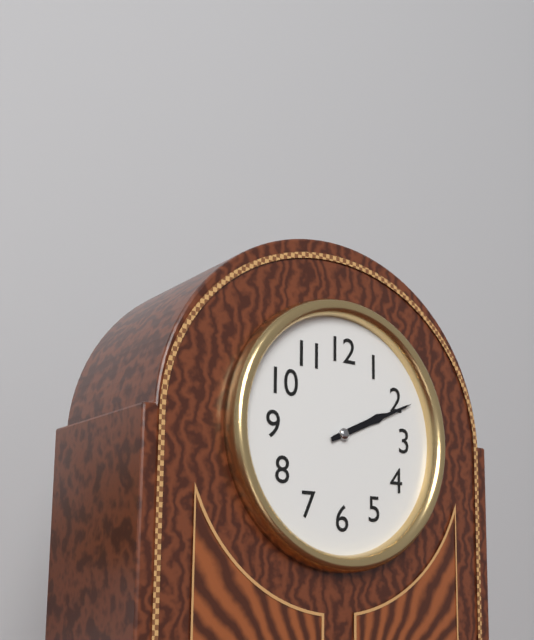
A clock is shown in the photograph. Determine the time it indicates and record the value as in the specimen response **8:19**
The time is **2:11**
